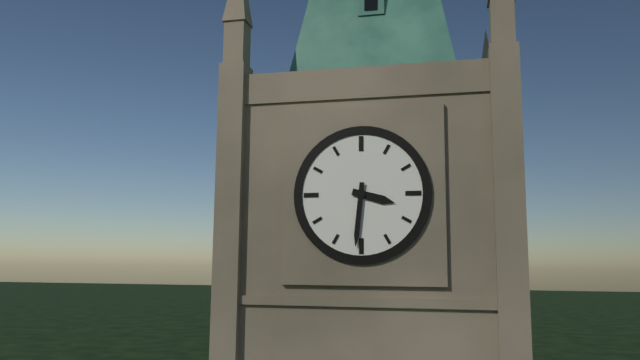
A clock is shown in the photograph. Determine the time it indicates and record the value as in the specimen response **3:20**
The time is **3:31**
